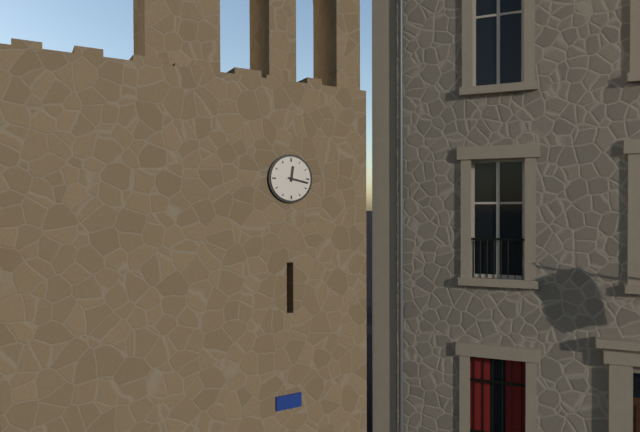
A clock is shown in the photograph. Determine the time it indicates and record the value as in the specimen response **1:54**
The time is **12:17**
